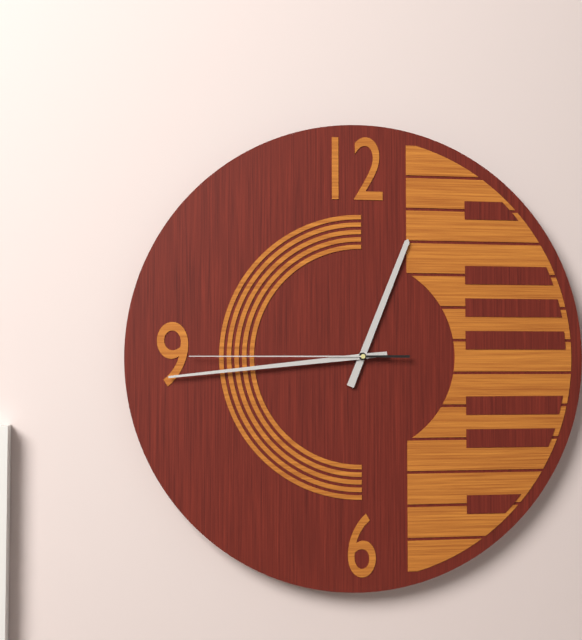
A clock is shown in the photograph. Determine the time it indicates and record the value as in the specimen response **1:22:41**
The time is **12:44:45**
